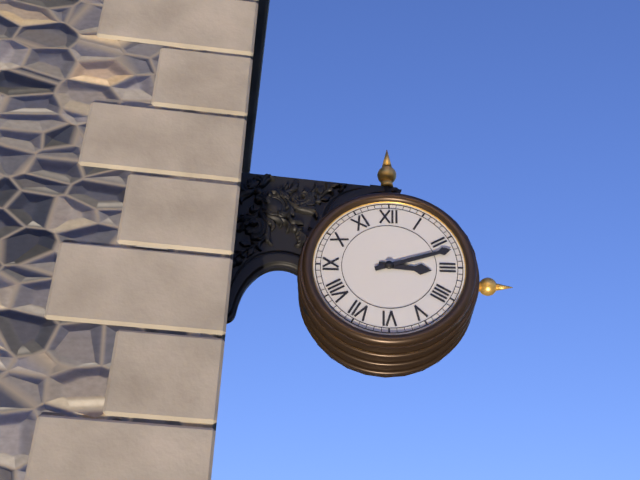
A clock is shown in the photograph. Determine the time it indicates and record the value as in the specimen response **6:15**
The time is **3:12**
